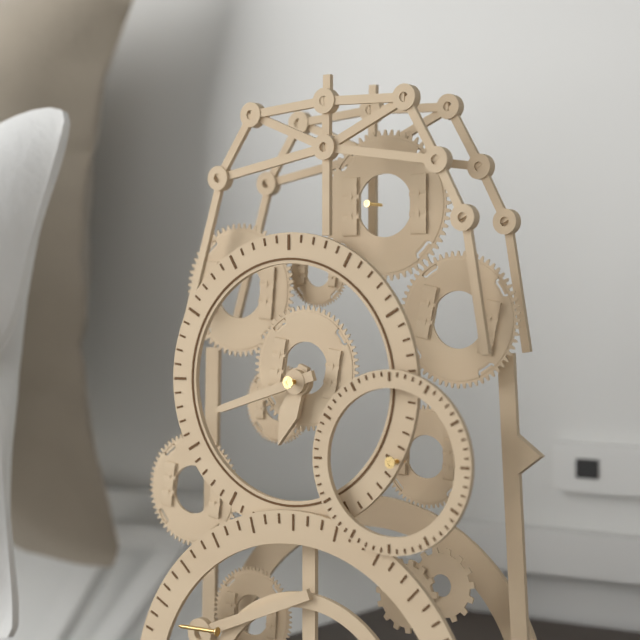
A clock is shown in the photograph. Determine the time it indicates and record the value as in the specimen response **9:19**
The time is **6:42**
